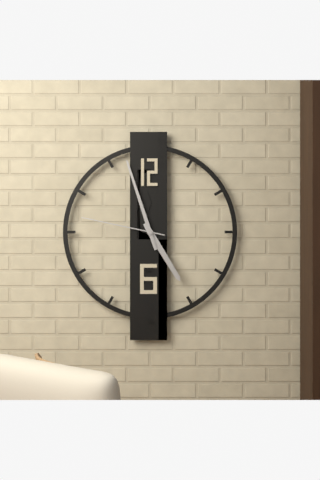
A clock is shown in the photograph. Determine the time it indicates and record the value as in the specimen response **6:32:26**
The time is **4:57:47**
